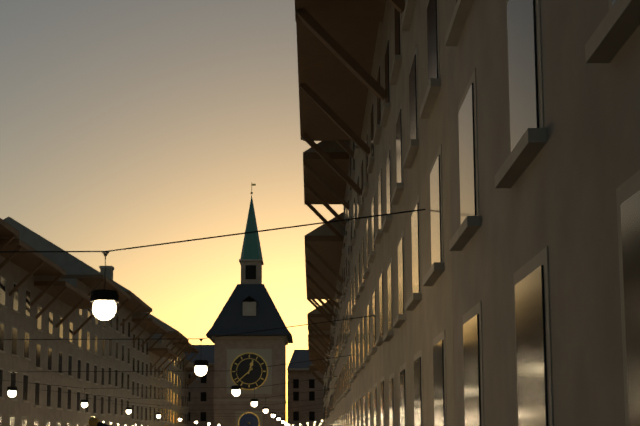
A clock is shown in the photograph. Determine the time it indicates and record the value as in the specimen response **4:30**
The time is **12:38**
